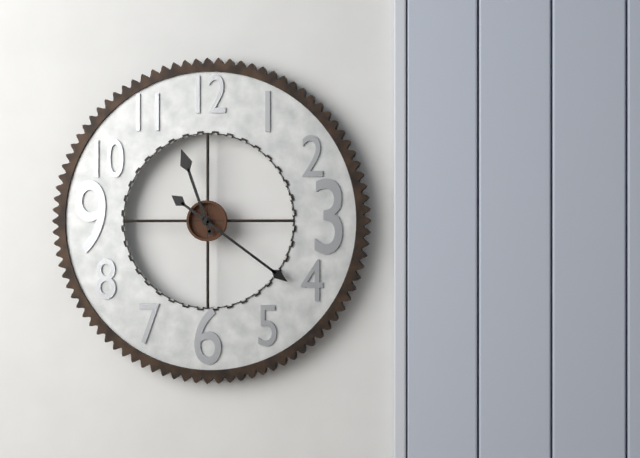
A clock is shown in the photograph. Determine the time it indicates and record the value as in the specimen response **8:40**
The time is **11:21**
